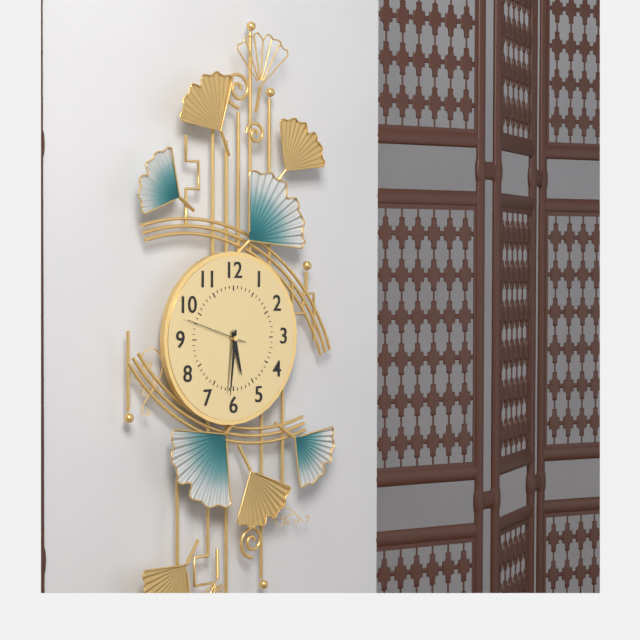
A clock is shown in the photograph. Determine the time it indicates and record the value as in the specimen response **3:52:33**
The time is **5:31:48**
